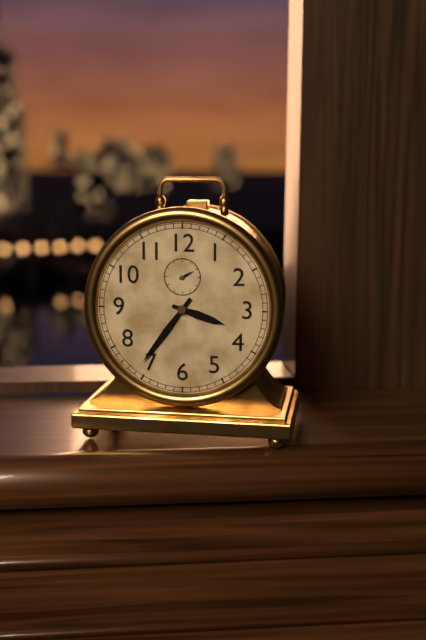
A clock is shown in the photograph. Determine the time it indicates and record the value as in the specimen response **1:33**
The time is **3:36**
